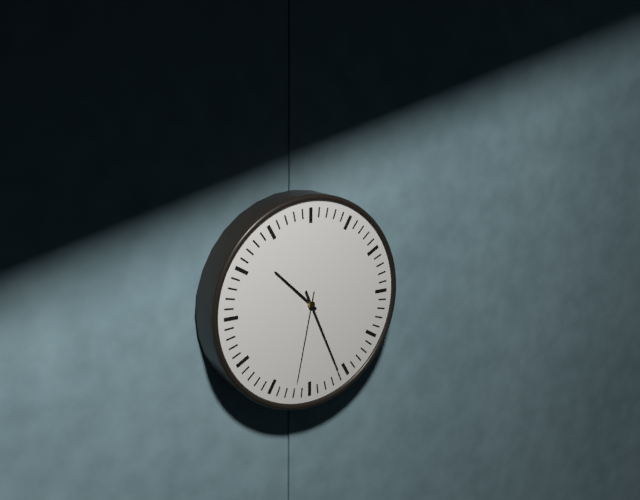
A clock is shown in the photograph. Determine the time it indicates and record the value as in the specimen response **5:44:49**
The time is **10:26:32**
